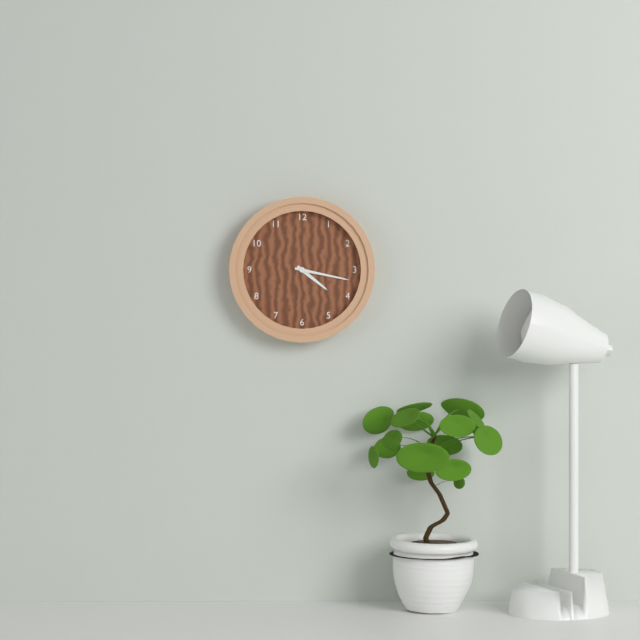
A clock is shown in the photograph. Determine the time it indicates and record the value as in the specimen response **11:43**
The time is **4:17**
